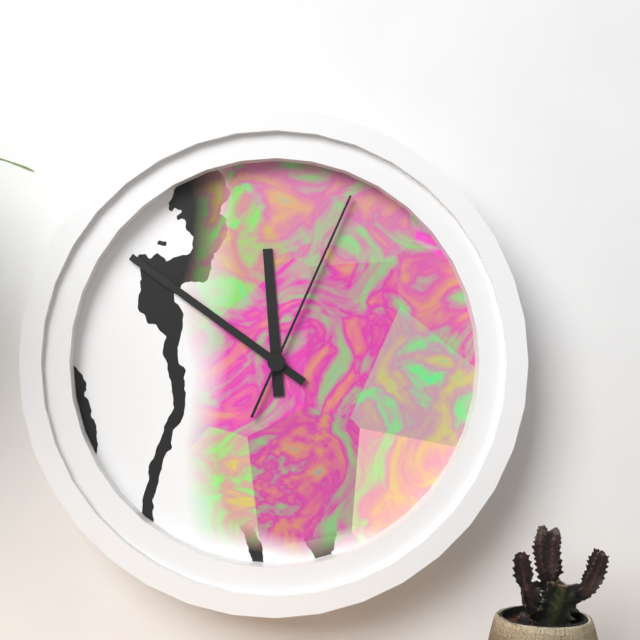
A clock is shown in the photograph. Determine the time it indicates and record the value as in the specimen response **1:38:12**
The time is **11:51:04**
